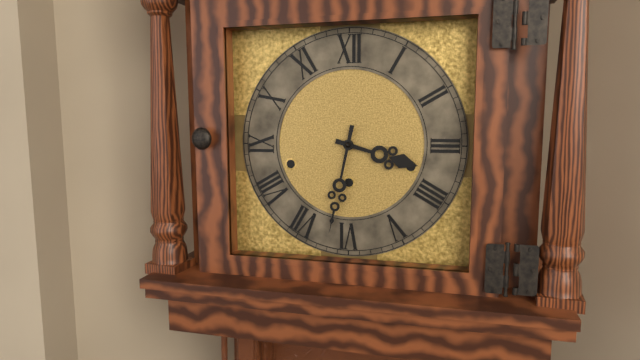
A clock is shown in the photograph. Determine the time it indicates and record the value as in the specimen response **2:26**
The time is **3:32**
